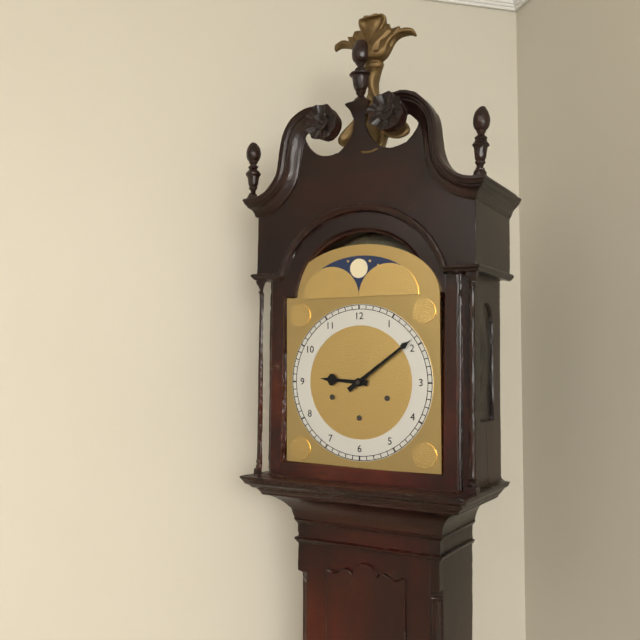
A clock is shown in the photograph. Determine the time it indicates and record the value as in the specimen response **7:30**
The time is **9:09**
